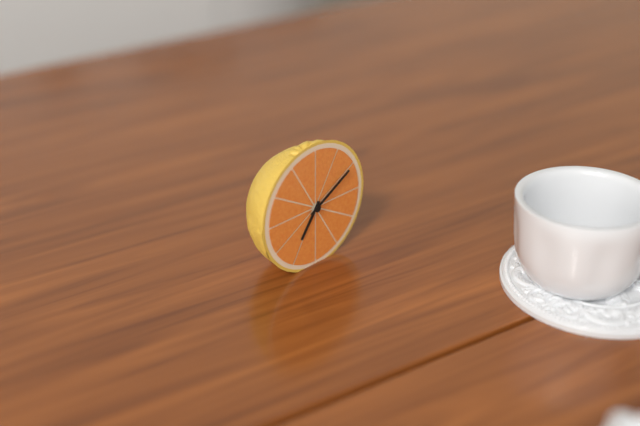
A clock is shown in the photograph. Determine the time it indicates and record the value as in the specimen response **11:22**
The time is **7:10**
